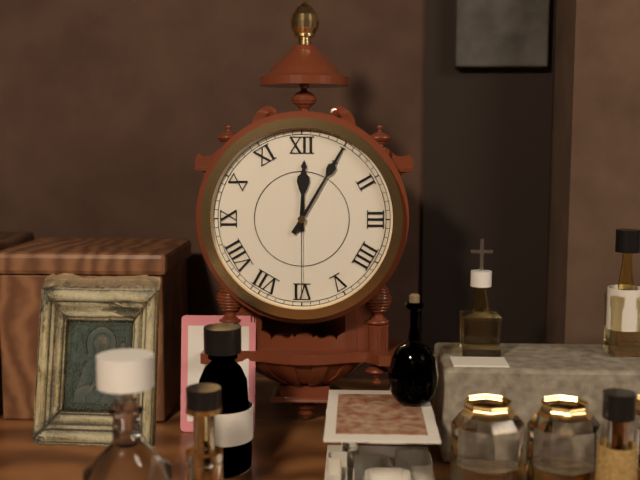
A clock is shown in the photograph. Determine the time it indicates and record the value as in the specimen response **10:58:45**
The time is **12:05:30**
